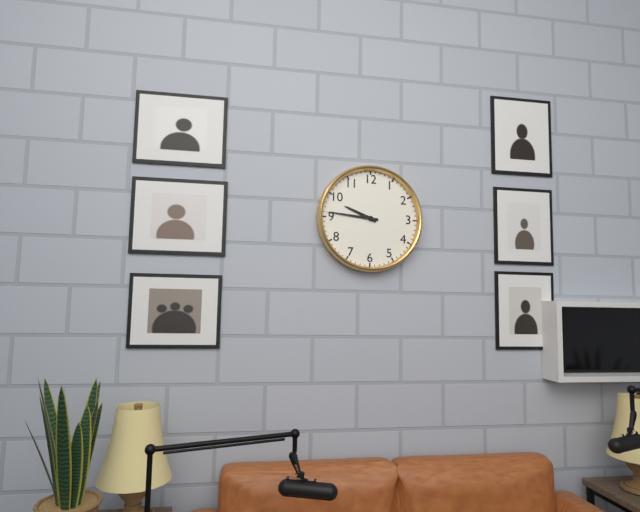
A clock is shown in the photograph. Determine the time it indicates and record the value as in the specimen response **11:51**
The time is **9:46**
